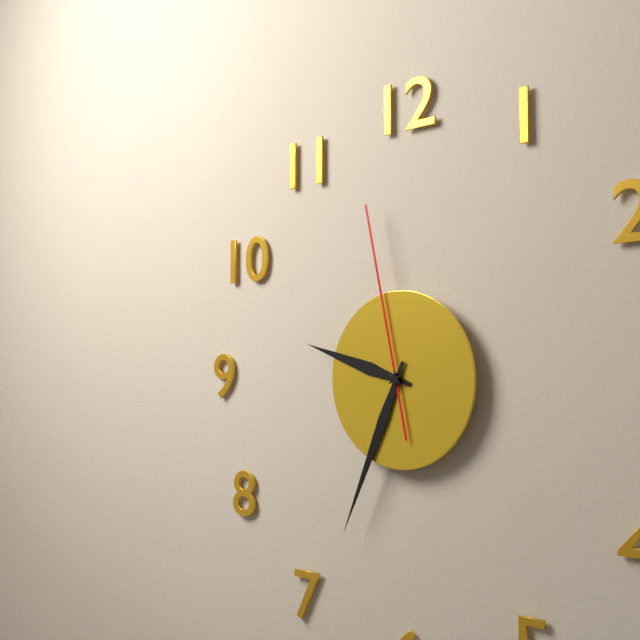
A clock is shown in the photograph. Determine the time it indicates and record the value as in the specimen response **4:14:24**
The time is **9:34:58**
